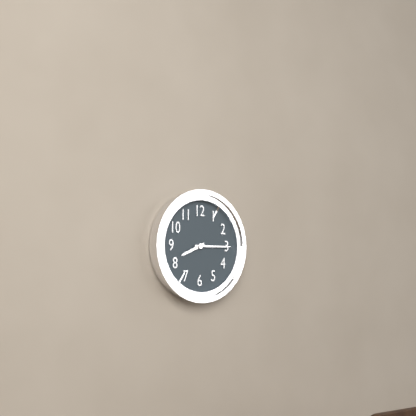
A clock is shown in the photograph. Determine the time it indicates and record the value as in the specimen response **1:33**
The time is **8:15**
